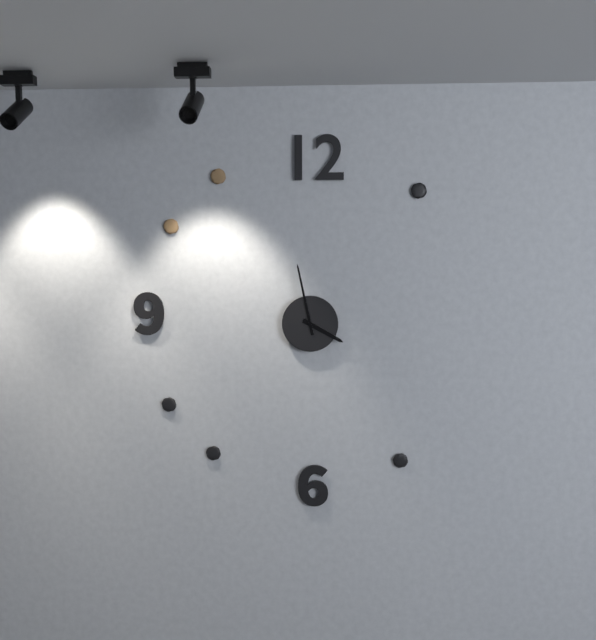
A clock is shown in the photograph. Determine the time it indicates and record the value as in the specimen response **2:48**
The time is **3:58**
